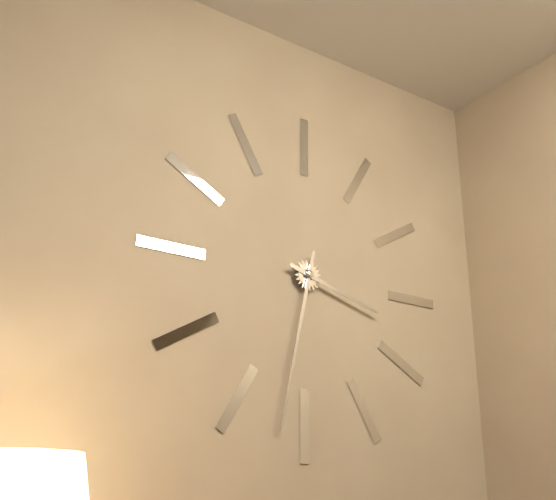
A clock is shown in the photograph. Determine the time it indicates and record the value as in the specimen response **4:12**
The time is **3:32**
